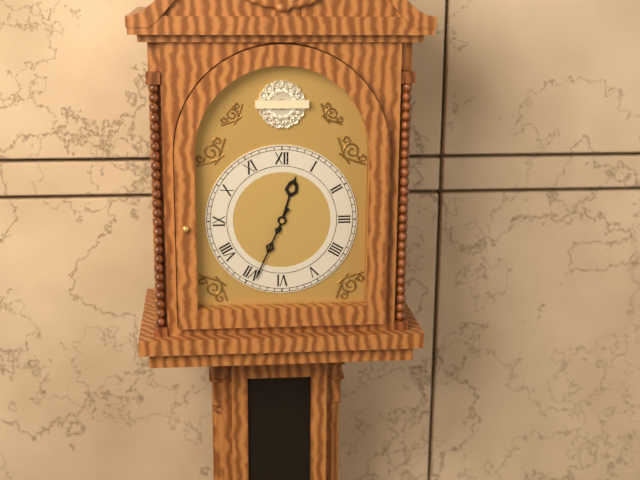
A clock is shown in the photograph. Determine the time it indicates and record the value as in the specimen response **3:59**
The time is **12:34**
